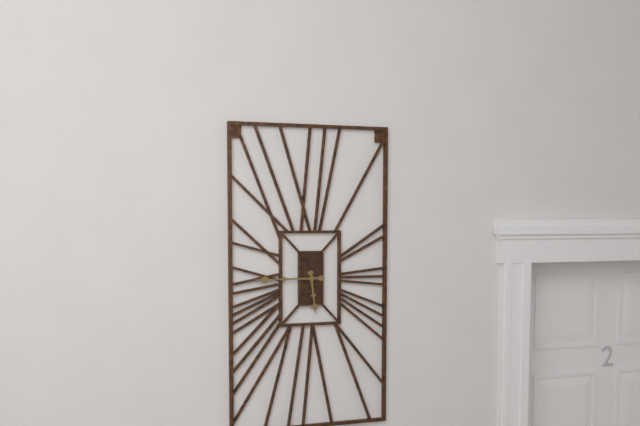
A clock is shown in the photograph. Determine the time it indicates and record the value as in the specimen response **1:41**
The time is **5:45**
